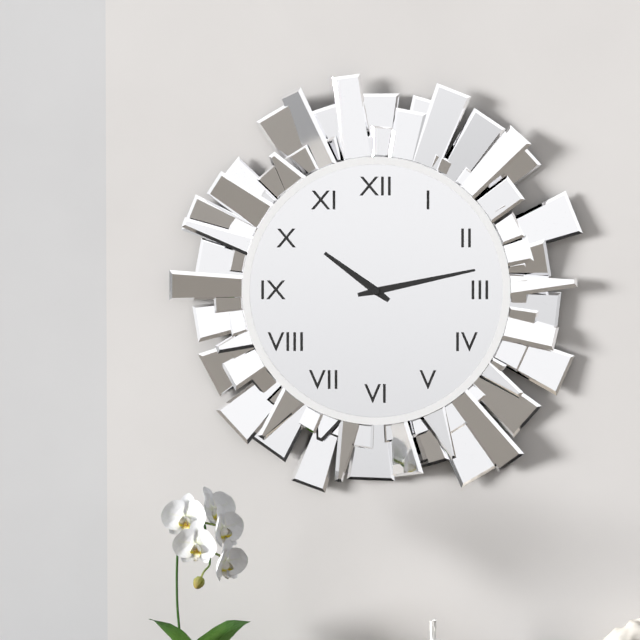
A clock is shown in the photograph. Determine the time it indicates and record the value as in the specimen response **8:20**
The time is **10:13**
